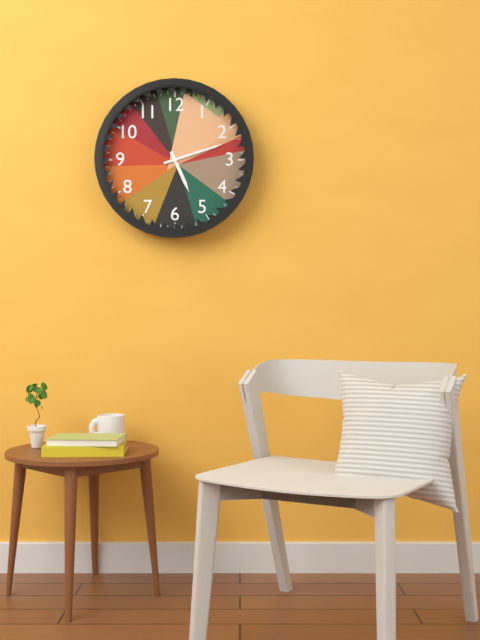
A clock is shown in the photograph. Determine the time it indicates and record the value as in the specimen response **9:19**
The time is **5:12**
